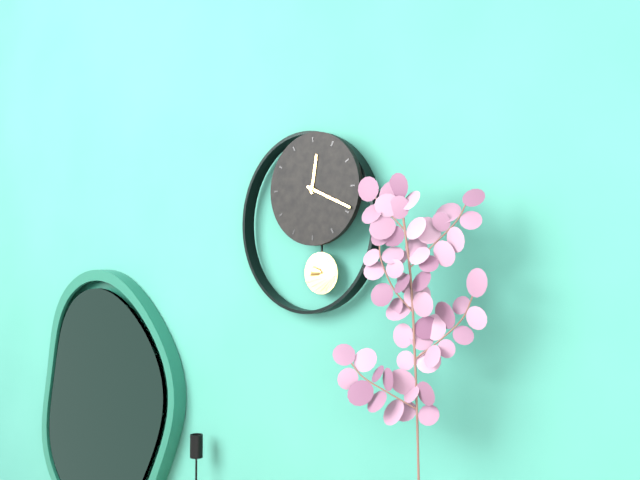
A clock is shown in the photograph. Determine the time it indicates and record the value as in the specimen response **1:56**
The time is **12:19**
